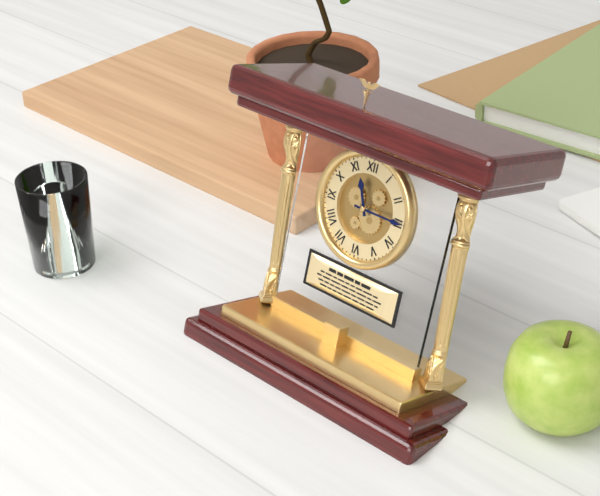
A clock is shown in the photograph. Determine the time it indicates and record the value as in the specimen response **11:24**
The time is **11:15**
